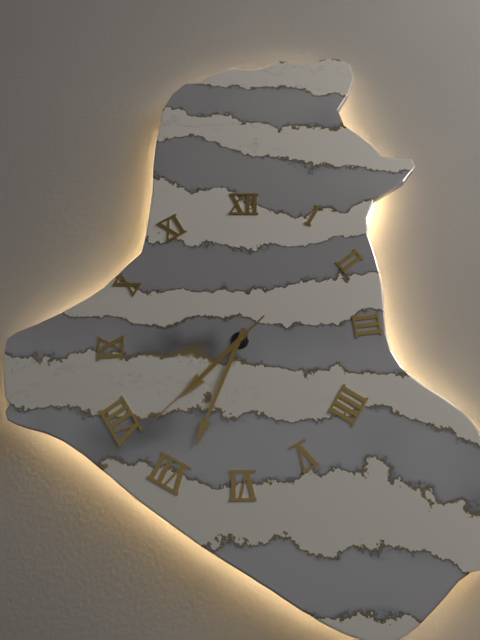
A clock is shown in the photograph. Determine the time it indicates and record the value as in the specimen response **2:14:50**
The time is **7:34:38**
